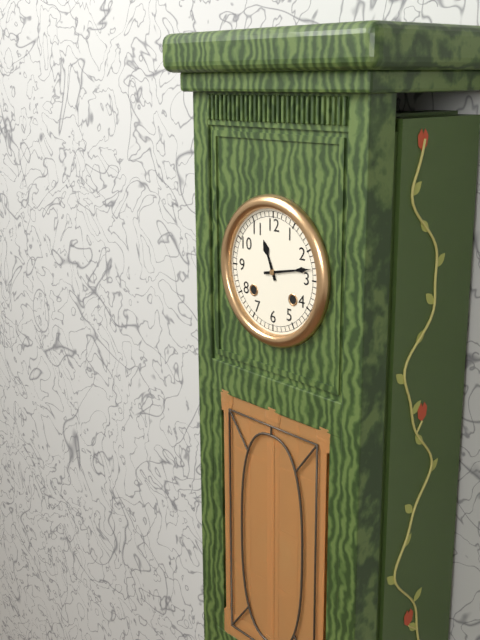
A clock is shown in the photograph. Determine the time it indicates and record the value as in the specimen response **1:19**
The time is **11:13**
